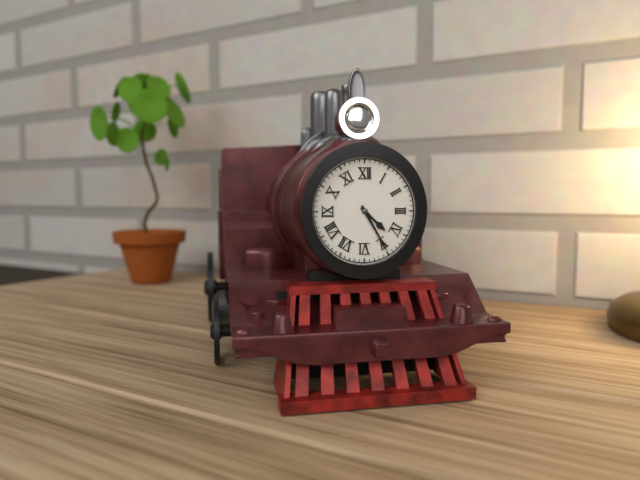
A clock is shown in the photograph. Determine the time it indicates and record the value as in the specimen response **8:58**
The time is **4:25**
